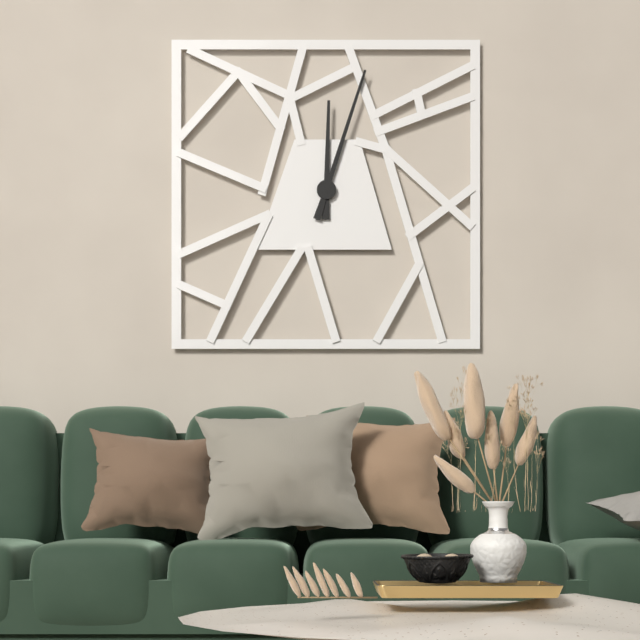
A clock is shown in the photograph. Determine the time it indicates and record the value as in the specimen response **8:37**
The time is **12:03**
